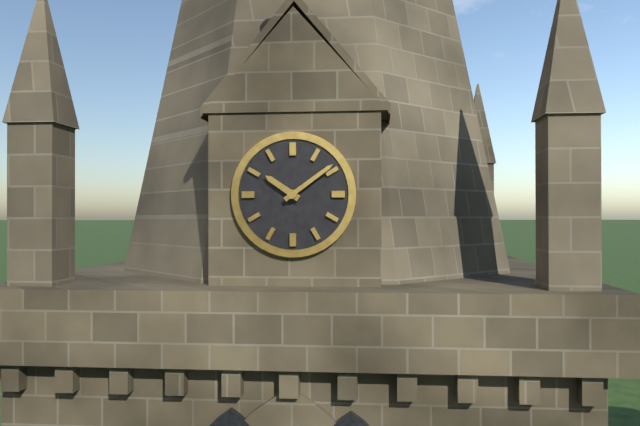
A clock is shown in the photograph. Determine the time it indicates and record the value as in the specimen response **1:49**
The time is **10:09**
